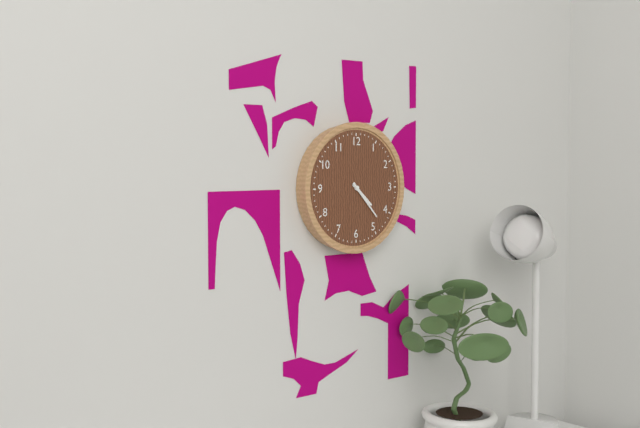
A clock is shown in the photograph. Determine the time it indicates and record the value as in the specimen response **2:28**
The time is **4:23**
